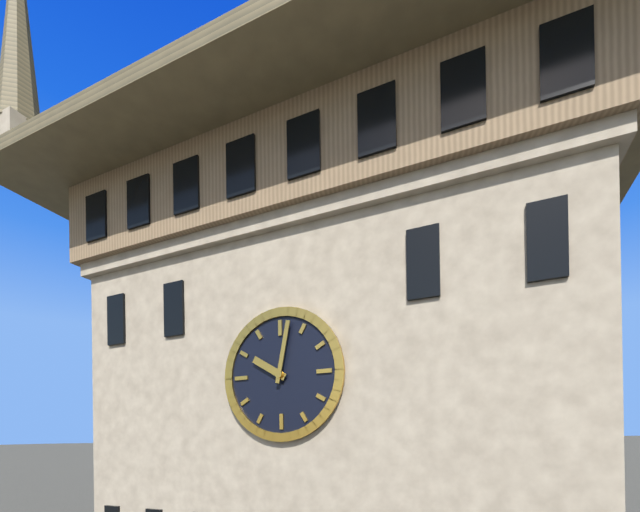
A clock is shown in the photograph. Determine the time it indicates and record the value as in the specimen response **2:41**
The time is **10:02**
